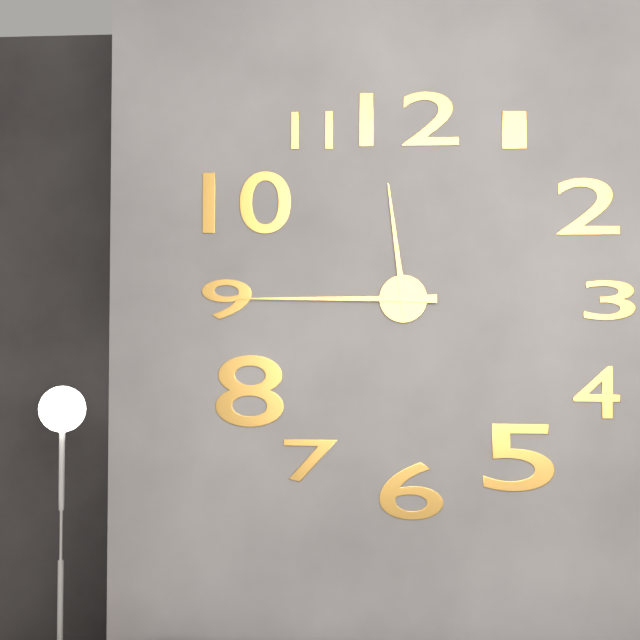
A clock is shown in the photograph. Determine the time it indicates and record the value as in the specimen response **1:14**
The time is **11:45**
